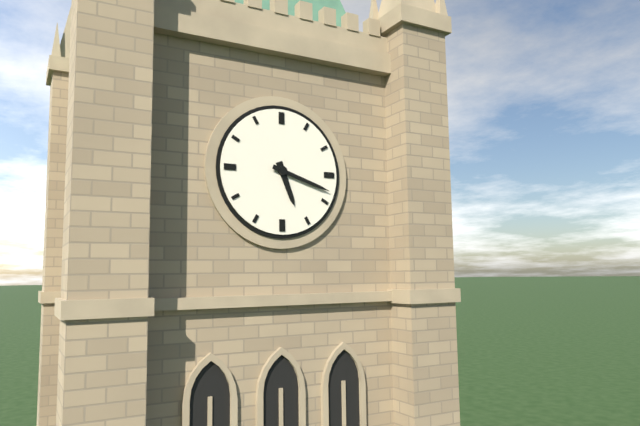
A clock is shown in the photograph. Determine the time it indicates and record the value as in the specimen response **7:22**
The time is **5:18**
